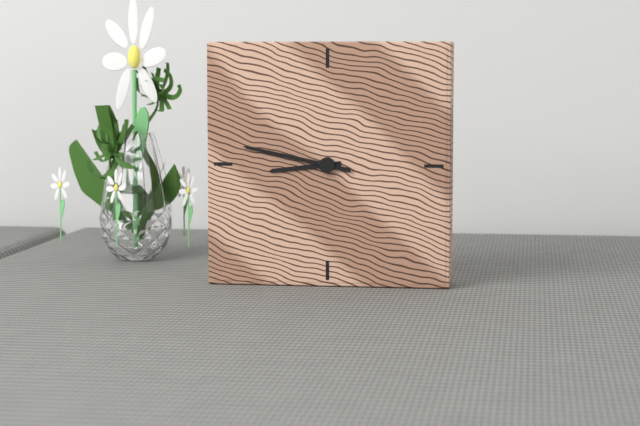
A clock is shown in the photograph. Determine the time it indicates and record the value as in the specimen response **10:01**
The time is **8:47**
